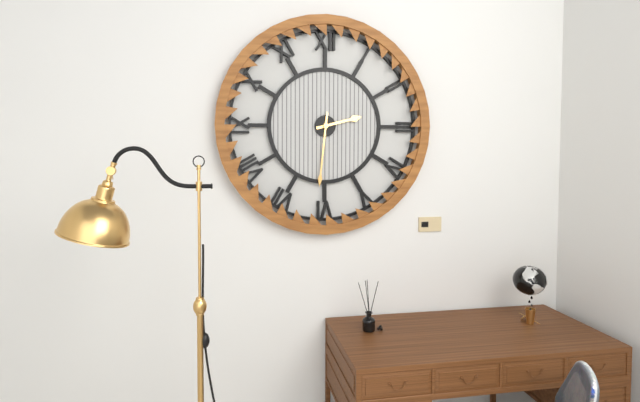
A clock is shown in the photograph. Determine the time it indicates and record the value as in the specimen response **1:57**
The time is **2:31**
